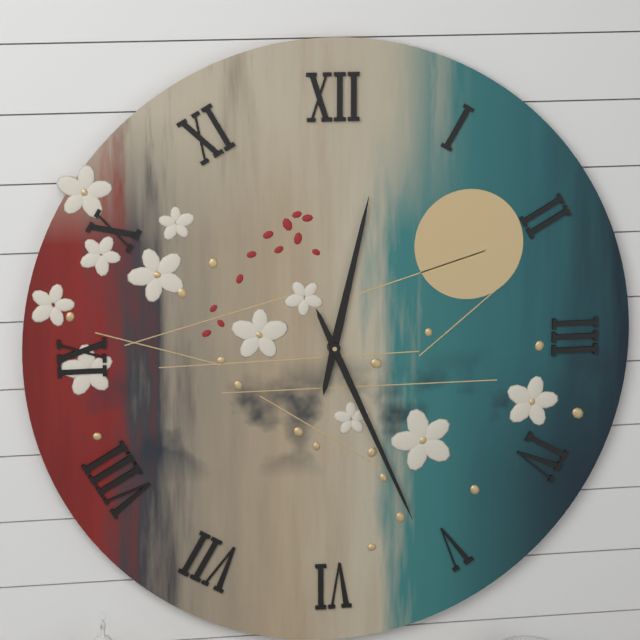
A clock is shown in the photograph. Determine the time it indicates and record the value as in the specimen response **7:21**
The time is **12:26**
